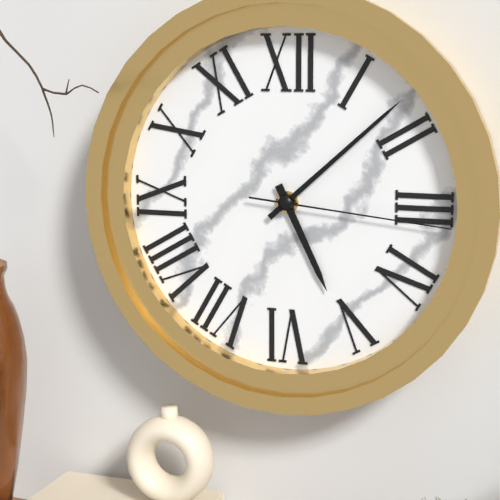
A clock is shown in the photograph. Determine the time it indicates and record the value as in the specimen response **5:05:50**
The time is **5:08:16**
